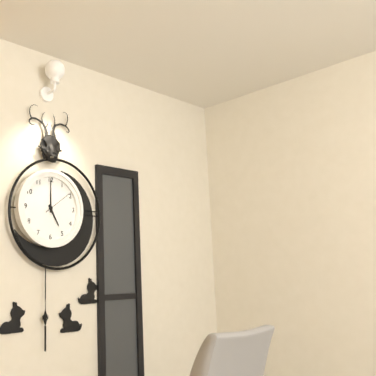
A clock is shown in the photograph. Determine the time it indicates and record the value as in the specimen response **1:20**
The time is **5:00**
